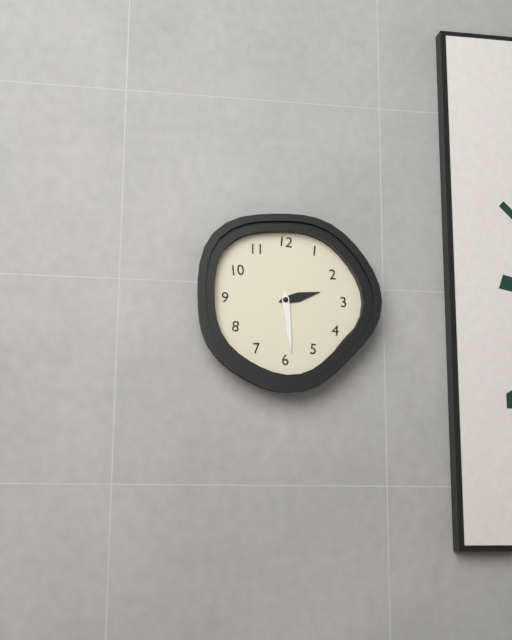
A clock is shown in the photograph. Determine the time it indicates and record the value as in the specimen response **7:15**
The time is **2:29**
